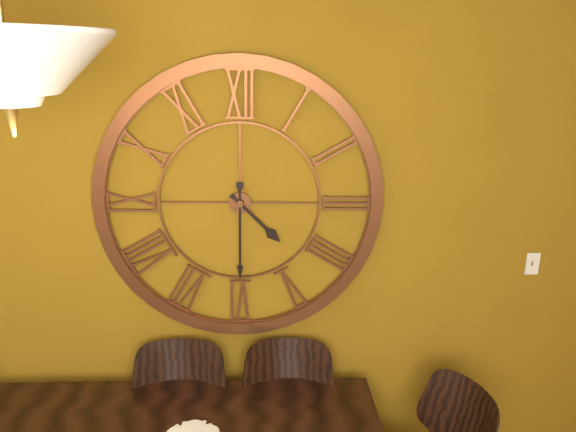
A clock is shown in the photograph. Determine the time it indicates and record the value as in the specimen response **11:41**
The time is **4:30**
